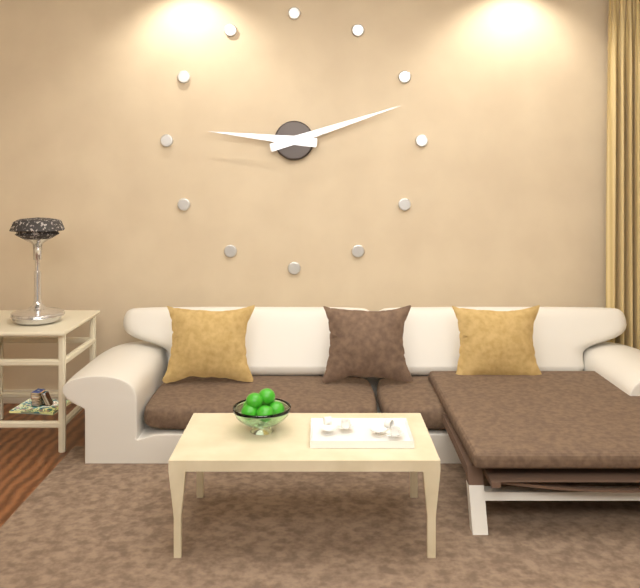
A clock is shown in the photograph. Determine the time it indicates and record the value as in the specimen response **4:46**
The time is **9:12**
